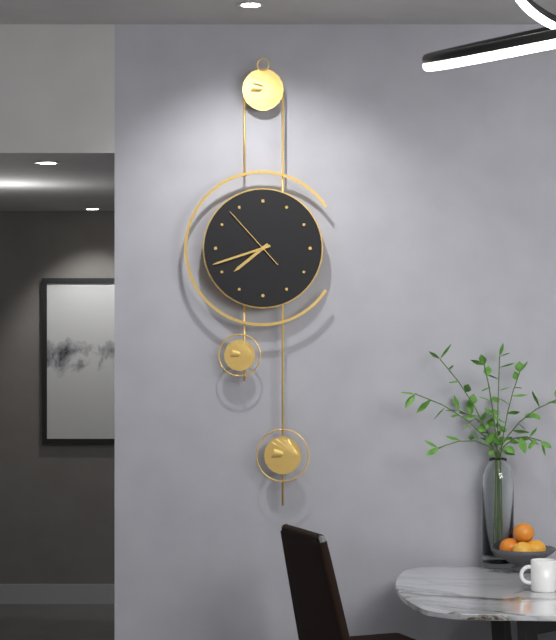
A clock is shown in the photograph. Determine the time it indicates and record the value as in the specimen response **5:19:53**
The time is **7:42:53**
